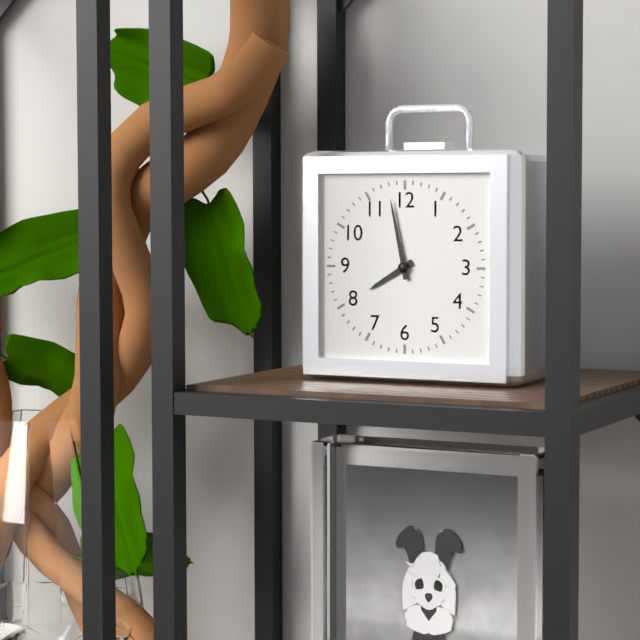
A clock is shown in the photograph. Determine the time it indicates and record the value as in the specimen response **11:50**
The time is **7:58**
